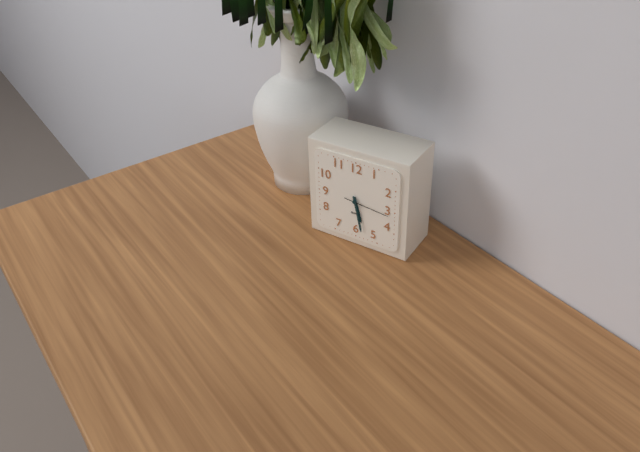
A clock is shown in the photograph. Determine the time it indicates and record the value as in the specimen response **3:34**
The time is **5:28**
